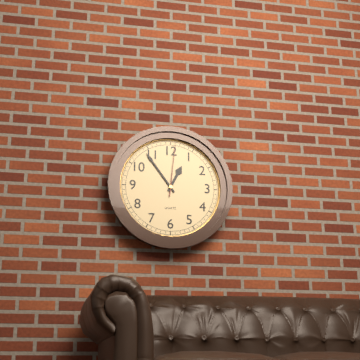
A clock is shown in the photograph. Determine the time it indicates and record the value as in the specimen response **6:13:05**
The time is **12:54:01**
